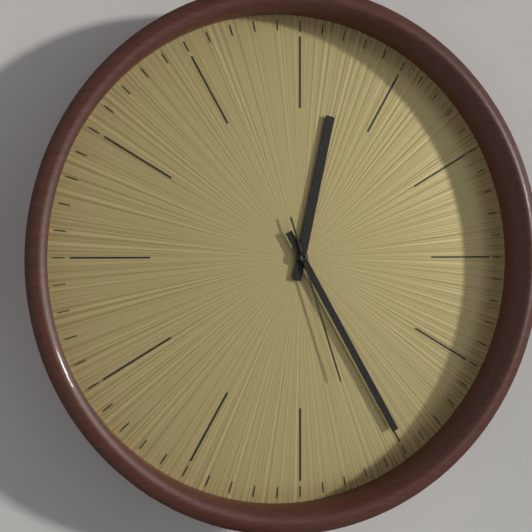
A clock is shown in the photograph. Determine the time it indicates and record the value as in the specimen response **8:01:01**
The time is **12:25:27**
